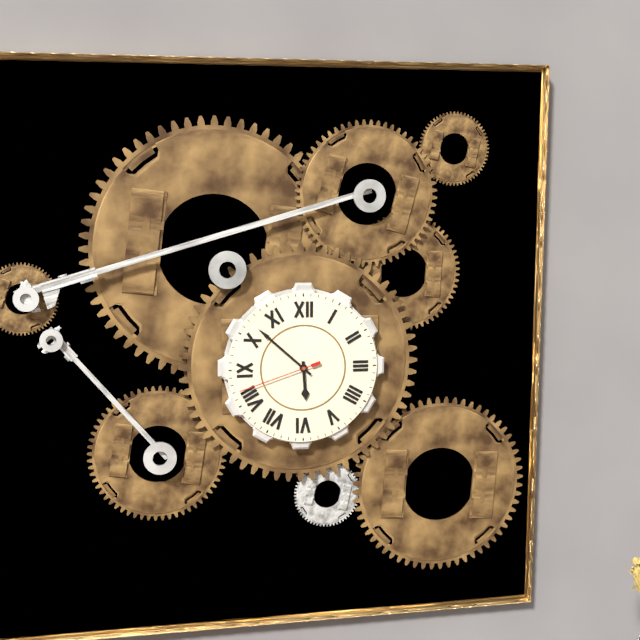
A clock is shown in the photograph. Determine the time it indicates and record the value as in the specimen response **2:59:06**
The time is **5:52:42**
